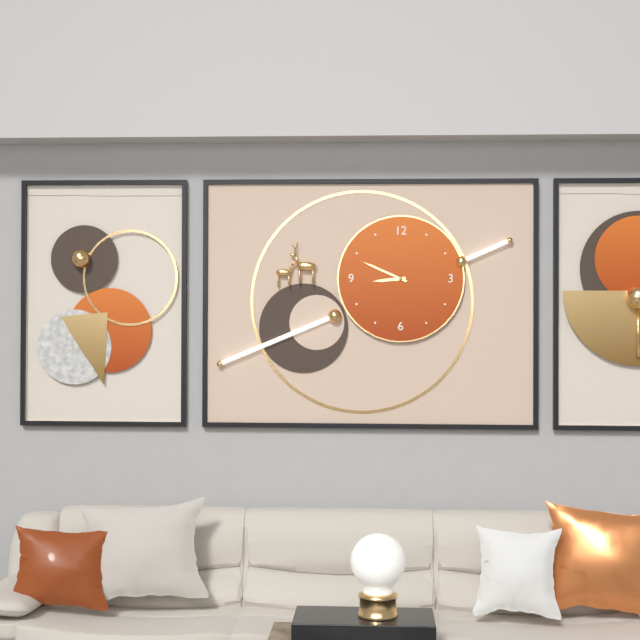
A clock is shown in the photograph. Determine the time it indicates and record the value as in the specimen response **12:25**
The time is **8:49**
